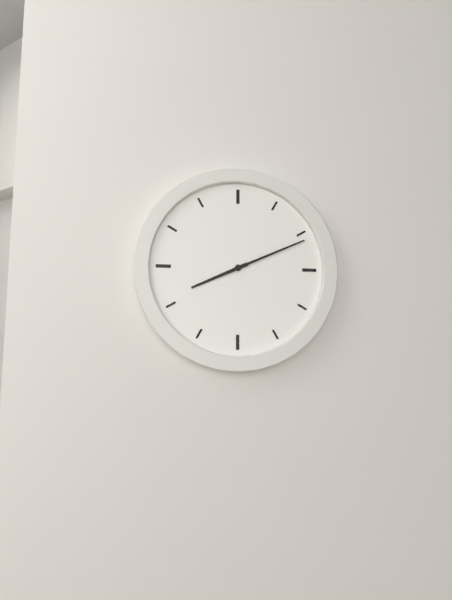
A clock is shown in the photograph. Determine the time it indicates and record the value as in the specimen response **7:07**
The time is **8:11**
